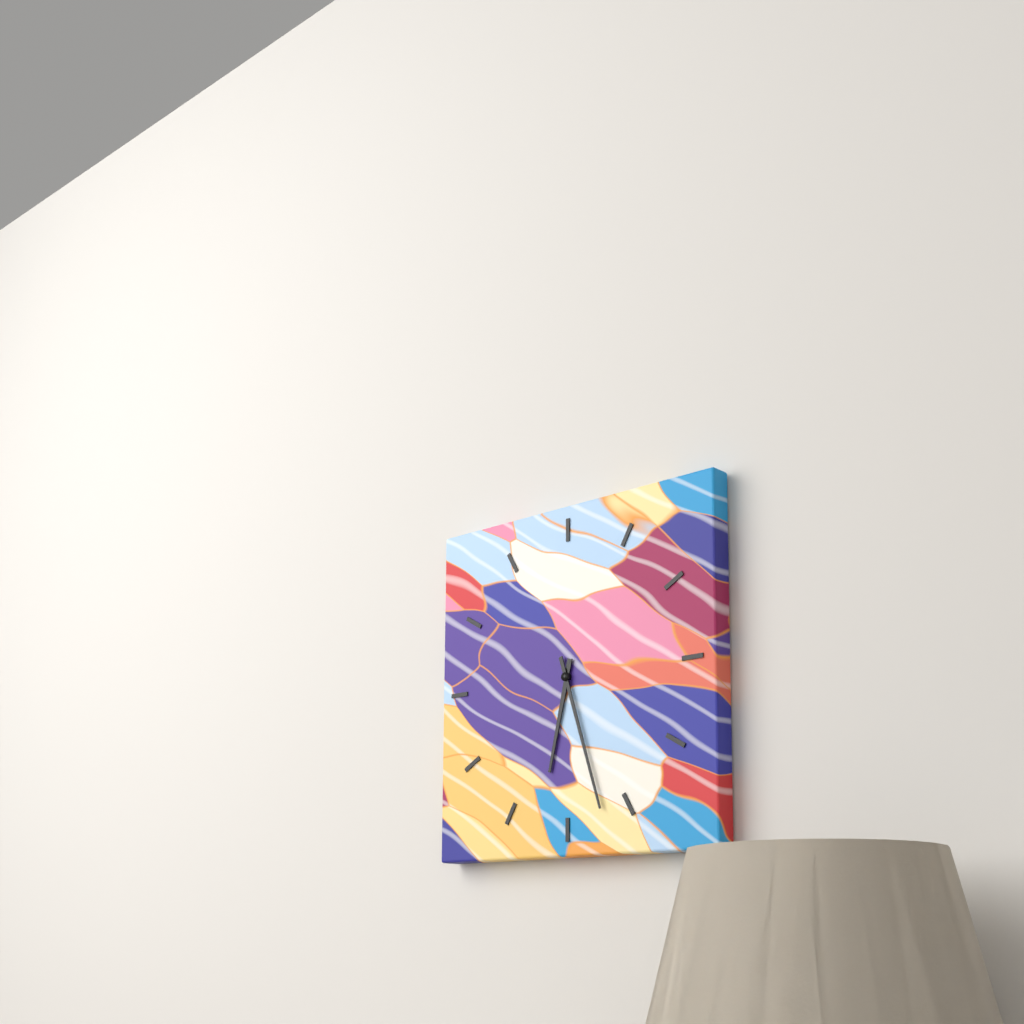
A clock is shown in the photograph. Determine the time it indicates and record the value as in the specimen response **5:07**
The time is **6:27**
